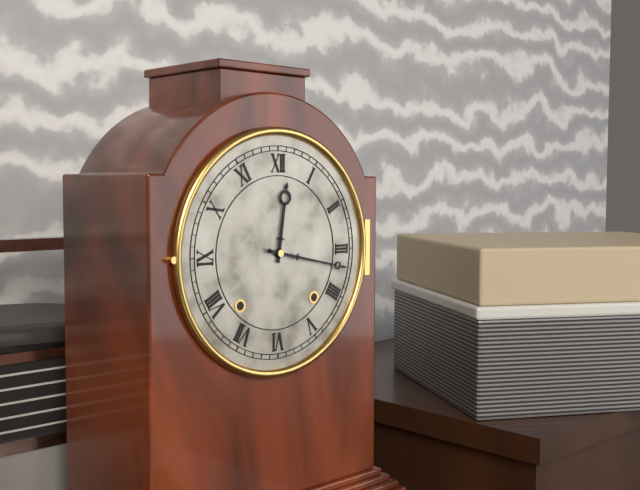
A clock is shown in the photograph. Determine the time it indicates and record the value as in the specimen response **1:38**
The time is **12:17**
